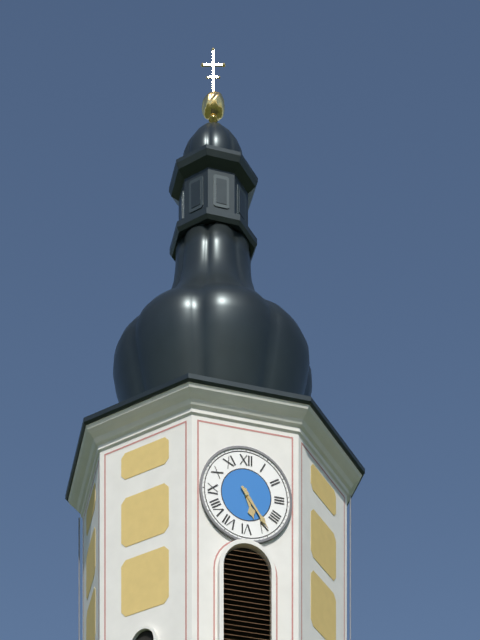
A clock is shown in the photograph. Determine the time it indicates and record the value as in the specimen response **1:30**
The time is **5:24**
